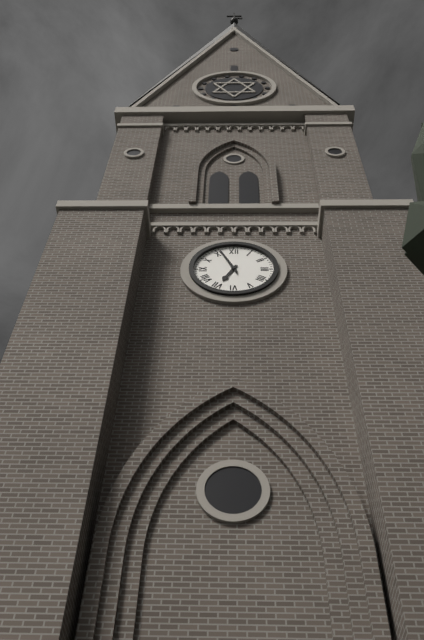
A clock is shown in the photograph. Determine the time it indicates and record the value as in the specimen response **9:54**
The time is **6:56**
